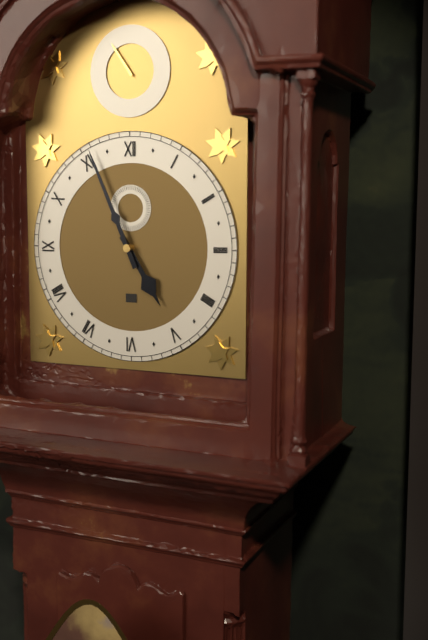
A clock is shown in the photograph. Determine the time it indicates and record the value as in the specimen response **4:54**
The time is **4:56**
